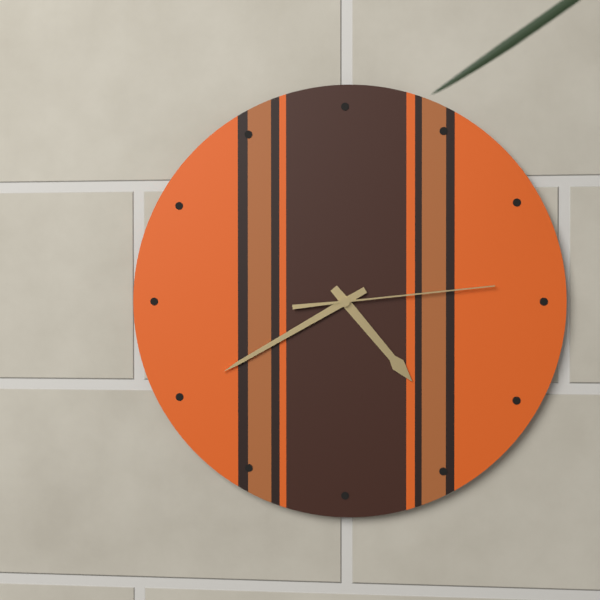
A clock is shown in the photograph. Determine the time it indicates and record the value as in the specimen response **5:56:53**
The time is **4:40:14**
